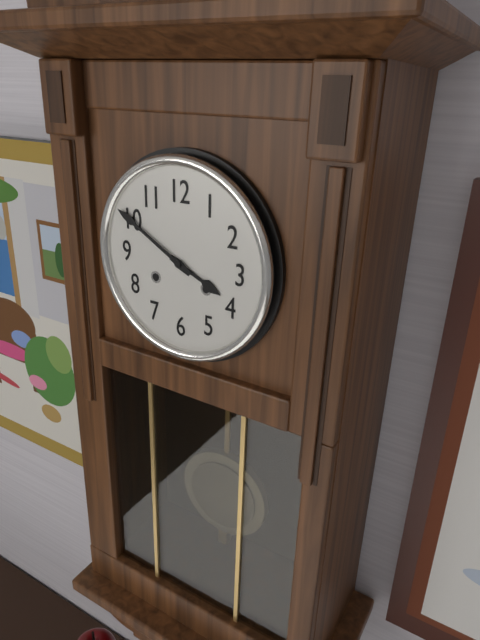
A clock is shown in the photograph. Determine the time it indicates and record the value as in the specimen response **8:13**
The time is **3:50**
